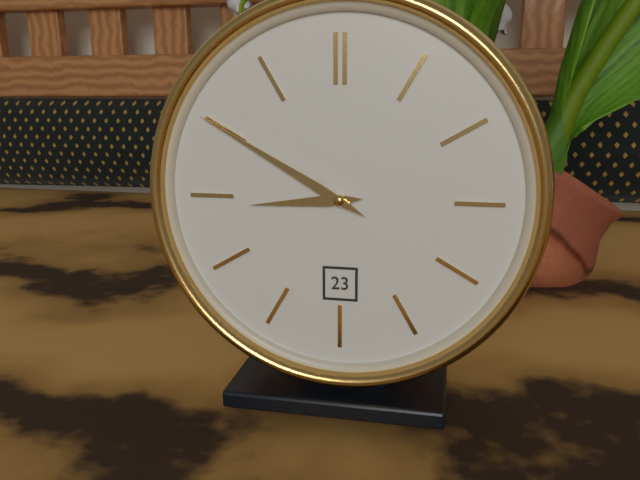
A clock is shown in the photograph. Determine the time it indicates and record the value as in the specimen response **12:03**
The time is **8:50**
